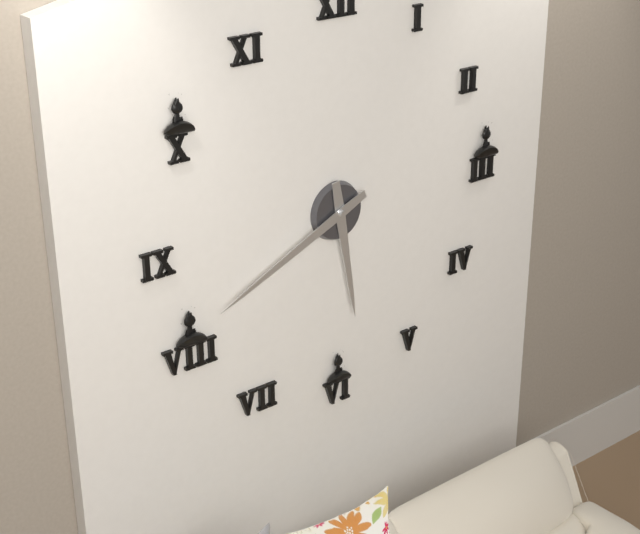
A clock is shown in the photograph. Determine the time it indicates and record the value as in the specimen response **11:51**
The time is **5:41**
